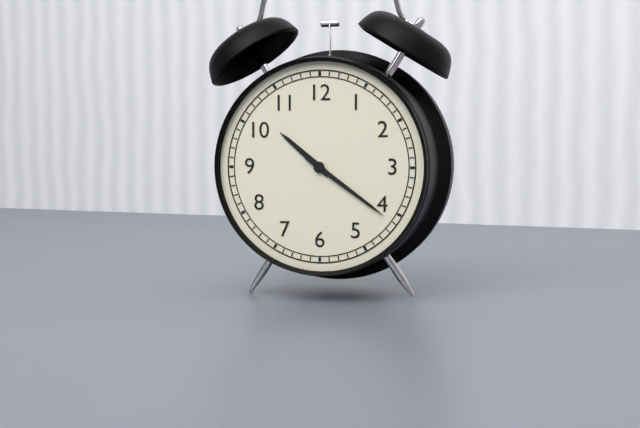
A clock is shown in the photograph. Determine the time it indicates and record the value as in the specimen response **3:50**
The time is **10:21**
